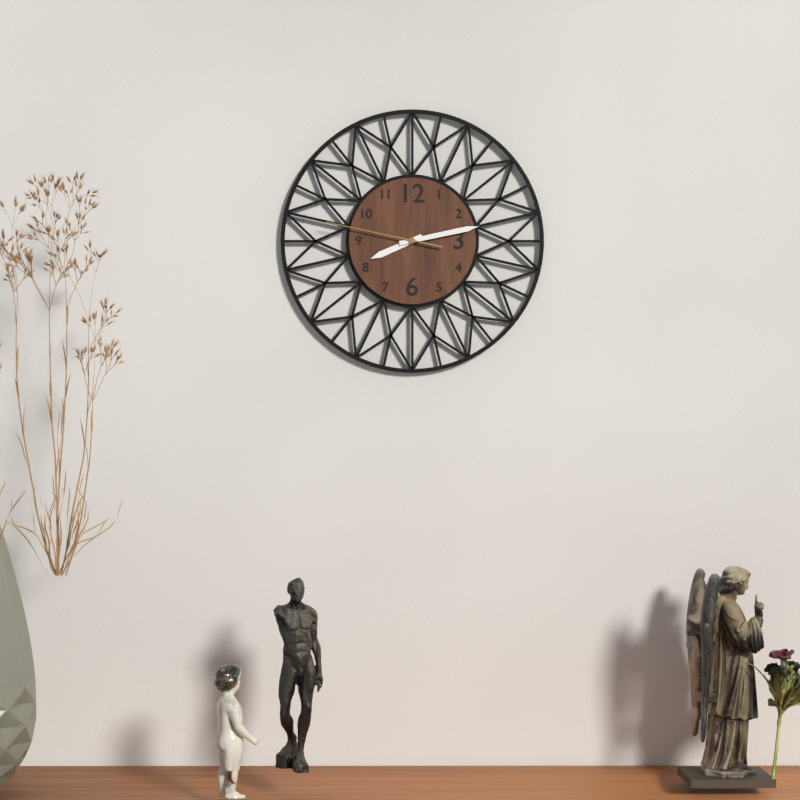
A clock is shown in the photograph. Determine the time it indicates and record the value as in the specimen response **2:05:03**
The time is **8:13:47**
